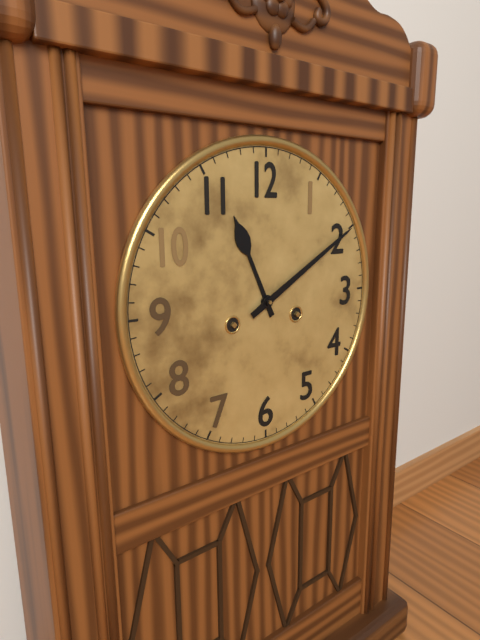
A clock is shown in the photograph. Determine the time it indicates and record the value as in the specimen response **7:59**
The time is **11:10**
